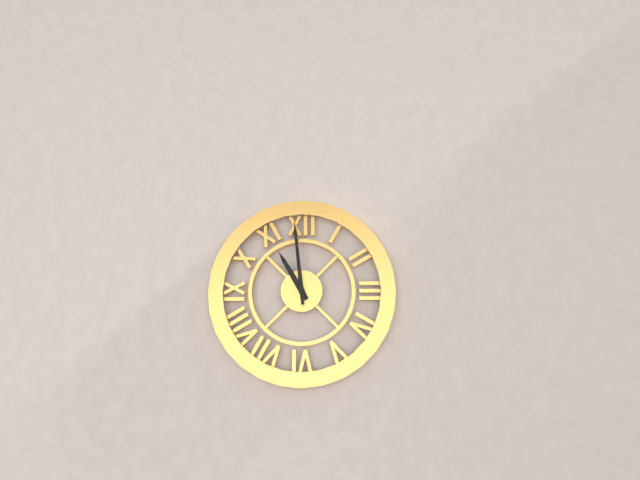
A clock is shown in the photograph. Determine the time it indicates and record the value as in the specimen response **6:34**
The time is **10:59**
